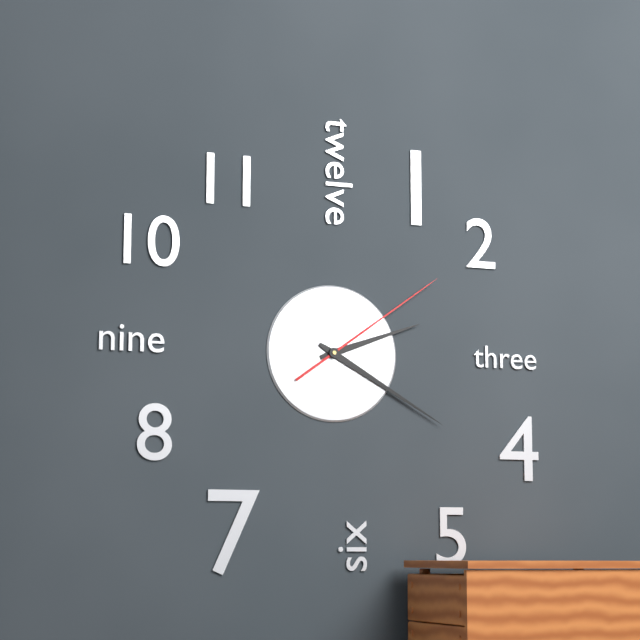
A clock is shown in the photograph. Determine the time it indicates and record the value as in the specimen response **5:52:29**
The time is **2:20:09**
